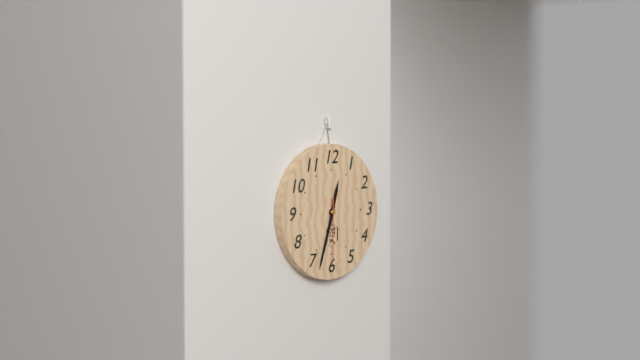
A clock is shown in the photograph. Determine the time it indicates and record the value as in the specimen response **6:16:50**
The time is **12:33:30**
